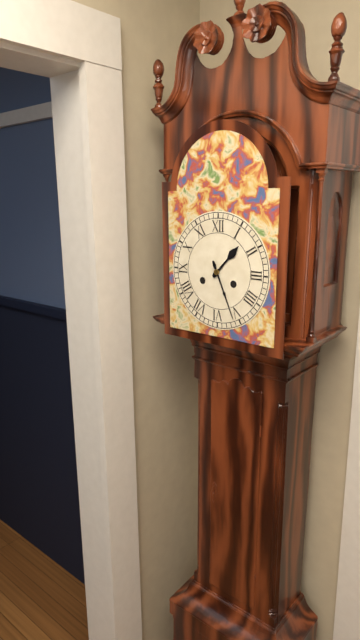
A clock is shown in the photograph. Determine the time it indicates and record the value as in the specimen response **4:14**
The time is **1:26**
